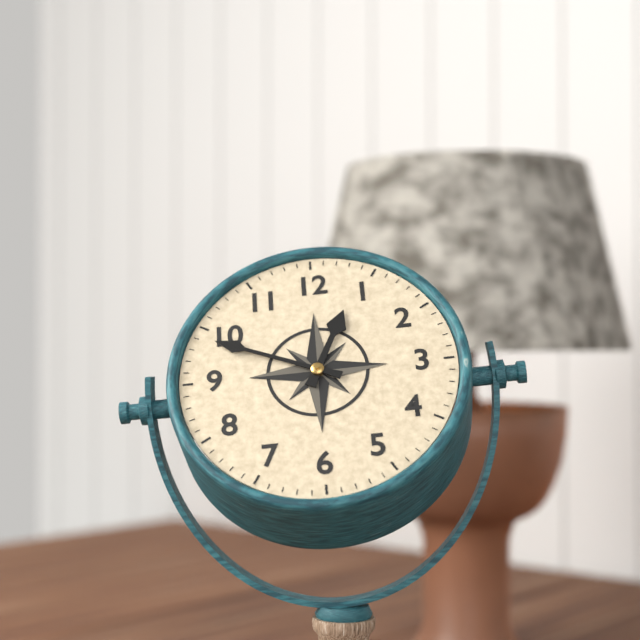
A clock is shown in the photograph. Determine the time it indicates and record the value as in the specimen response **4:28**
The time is **12:49**
